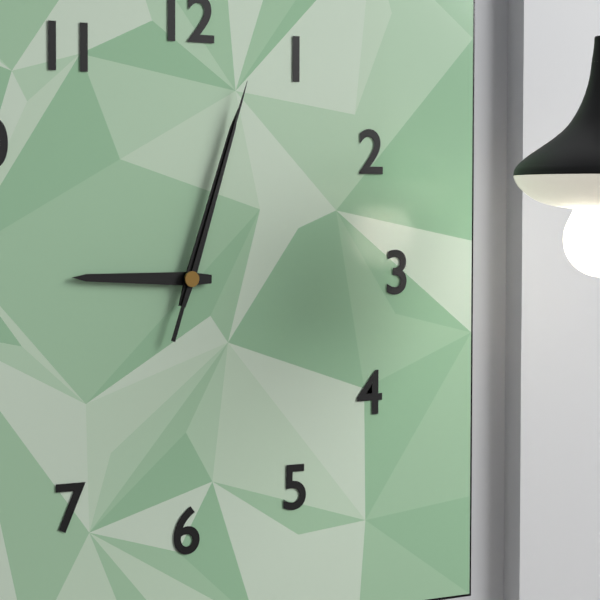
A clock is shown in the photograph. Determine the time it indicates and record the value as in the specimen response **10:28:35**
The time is **9:03:03**
